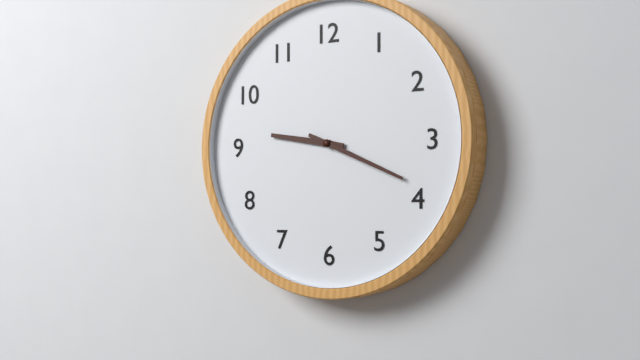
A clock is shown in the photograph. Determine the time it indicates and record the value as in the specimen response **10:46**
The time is **9:19**
